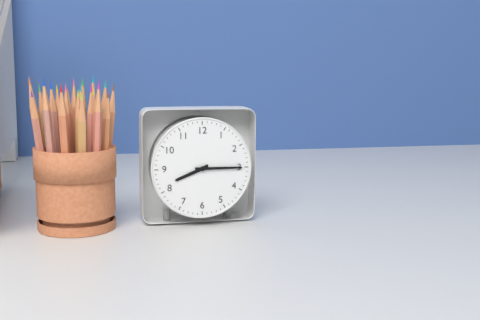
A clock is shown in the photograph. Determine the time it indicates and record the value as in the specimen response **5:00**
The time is **8:15**
